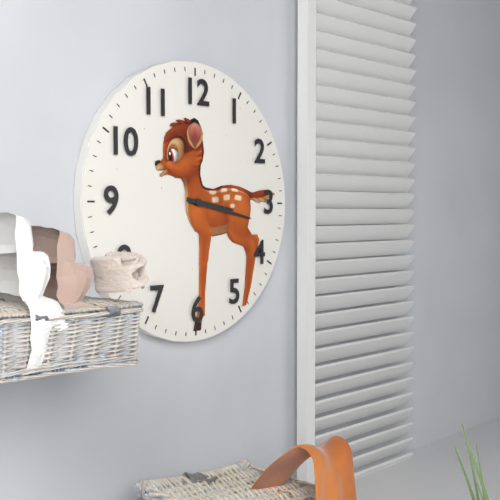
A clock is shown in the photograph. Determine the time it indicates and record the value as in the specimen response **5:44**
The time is **3:17**
